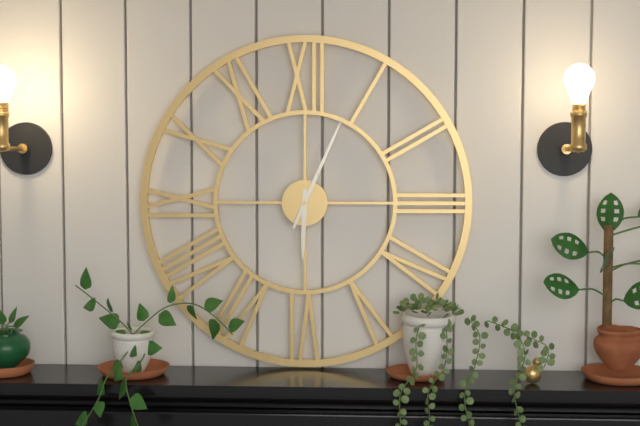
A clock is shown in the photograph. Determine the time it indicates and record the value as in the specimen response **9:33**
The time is **6:04**
